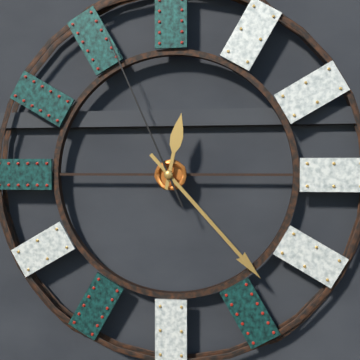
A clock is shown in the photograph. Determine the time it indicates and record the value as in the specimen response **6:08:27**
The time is **12:23:56**
